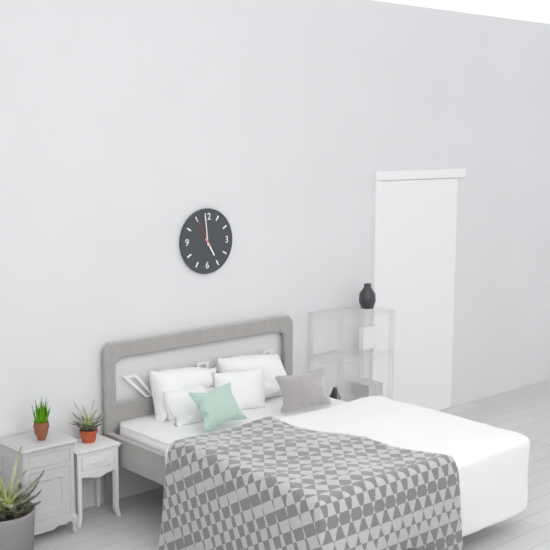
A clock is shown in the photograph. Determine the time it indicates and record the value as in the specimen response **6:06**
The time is **4:59**
